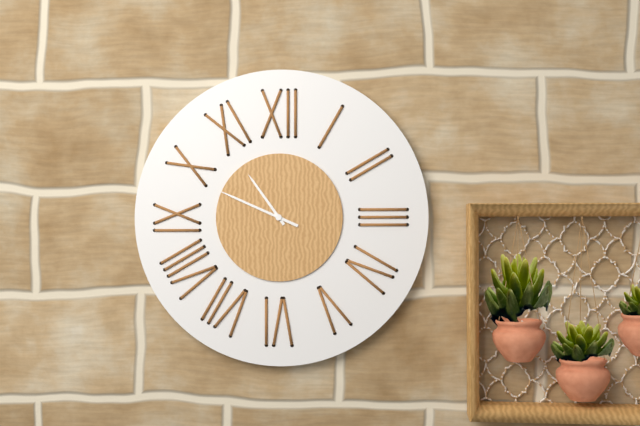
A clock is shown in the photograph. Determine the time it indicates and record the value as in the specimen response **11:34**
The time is **10:49**
